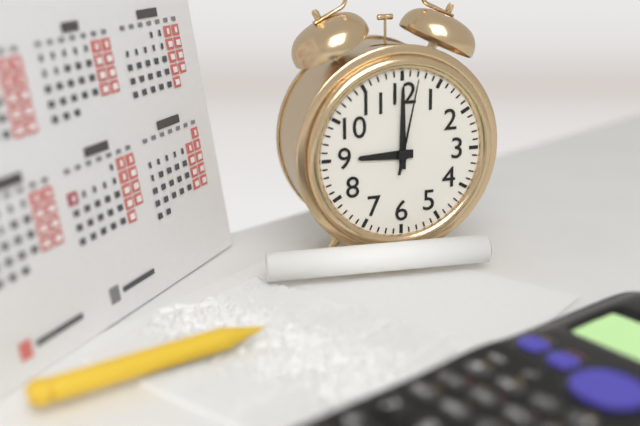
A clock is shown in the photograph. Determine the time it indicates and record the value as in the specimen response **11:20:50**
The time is **9:00:02**
